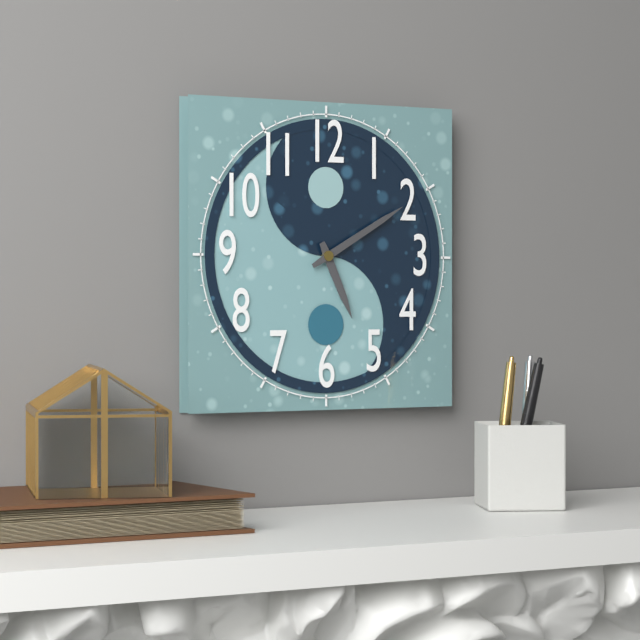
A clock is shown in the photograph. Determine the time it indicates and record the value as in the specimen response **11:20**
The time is **5:10**
